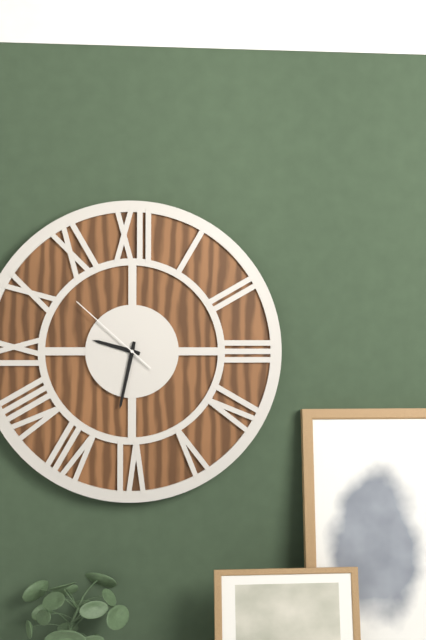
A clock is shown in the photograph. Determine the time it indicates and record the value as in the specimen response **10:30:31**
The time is **9:32:52**
